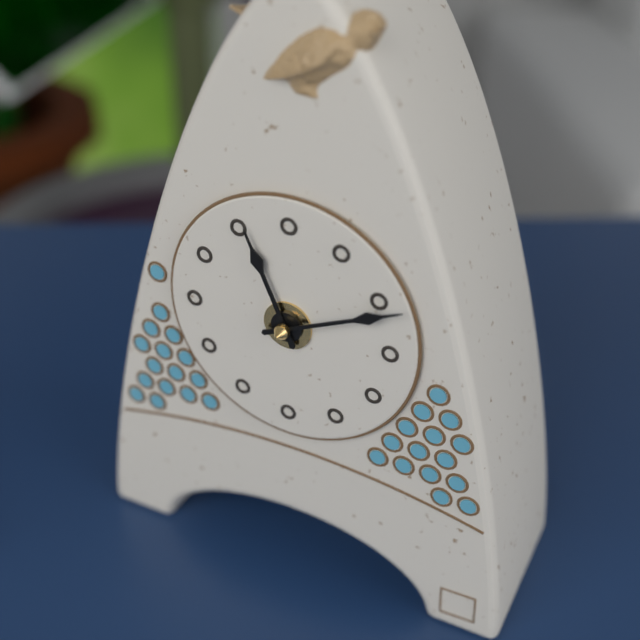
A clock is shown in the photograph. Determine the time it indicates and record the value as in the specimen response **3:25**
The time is **11:11**
